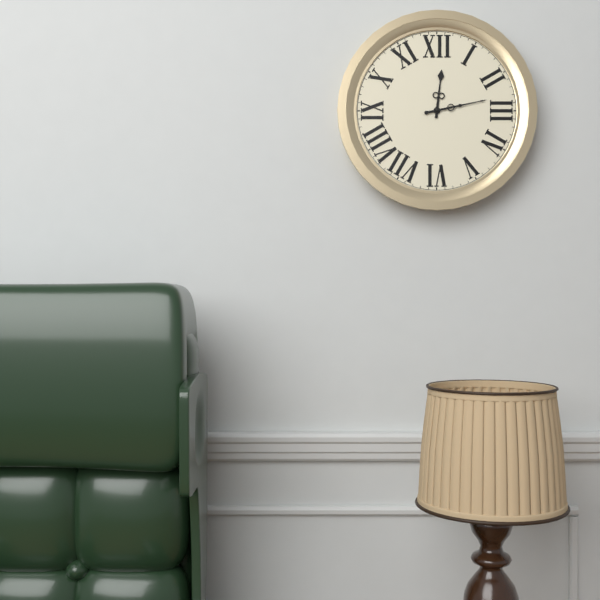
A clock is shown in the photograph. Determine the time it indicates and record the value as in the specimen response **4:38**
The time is **12:13**
